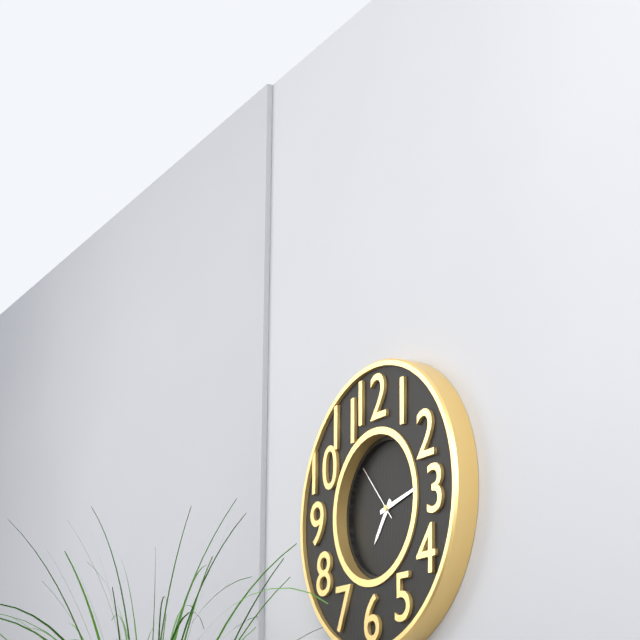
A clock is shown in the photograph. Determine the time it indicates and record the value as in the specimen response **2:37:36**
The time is **7:13:53**
